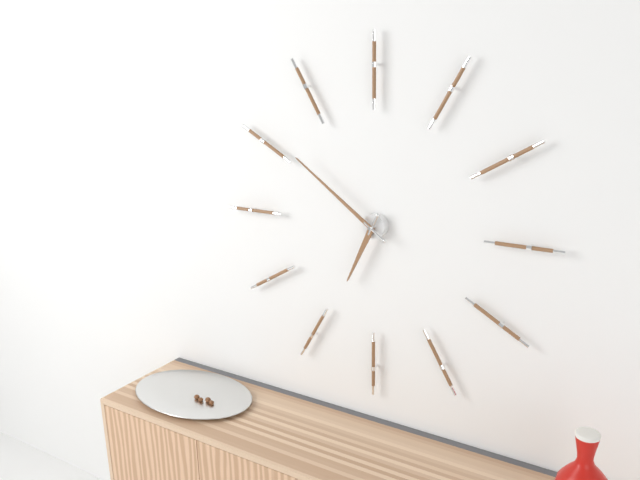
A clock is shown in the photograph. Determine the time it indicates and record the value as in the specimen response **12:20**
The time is **6:51**
